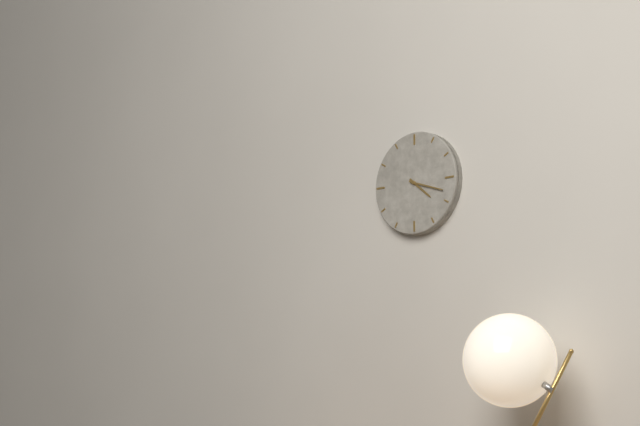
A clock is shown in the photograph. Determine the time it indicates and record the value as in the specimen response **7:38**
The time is **4:18**
